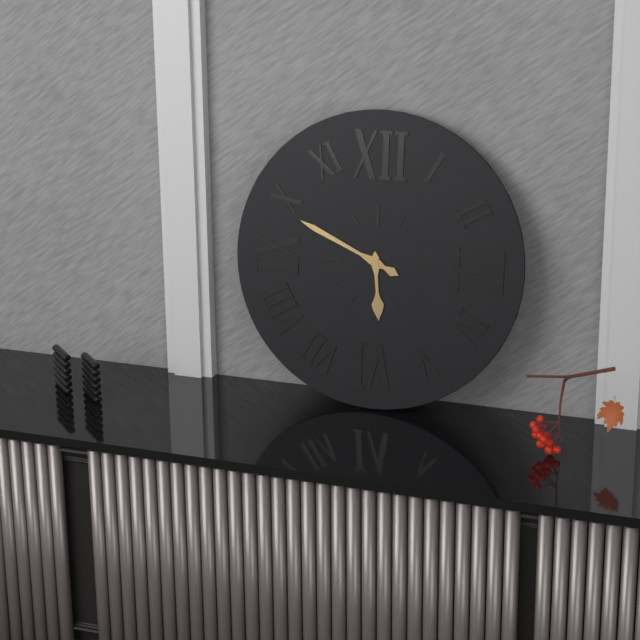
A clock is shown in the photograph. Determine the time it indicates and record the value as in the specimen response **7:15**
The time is **5:49**
